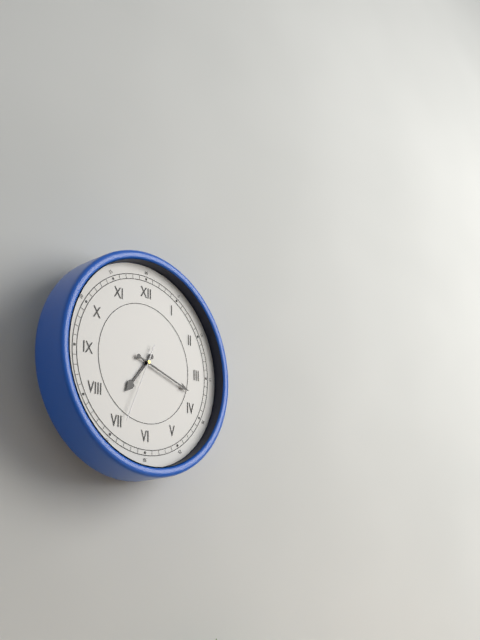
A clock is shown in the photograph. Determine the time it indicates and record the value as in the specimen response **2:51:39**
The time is **7:18:34**
